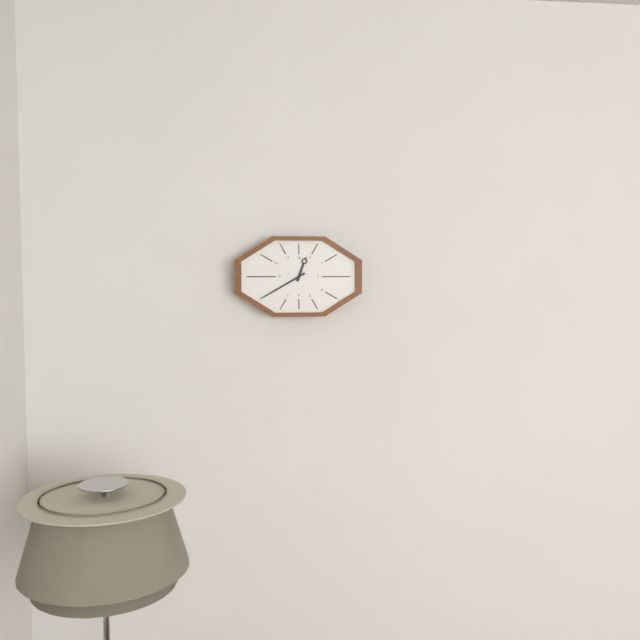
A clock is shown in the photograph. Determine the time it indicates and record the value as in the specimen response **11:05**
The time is **12:40**
